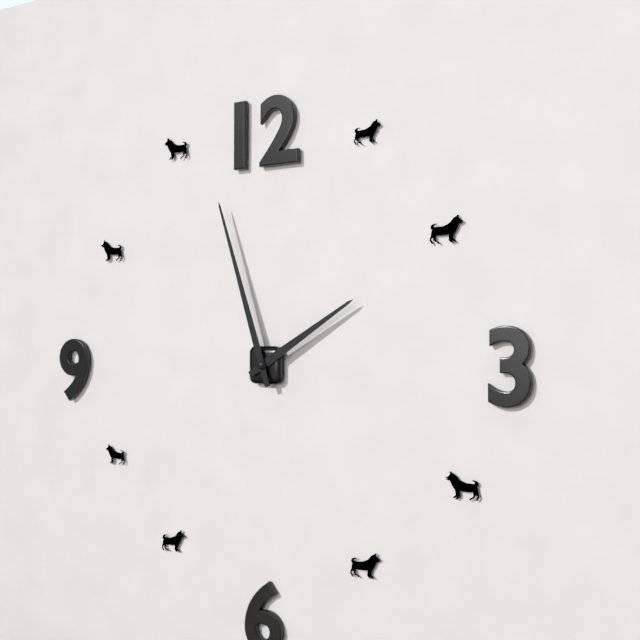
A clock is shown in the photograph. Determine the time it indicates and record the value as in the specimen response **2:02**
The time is **1:57**
